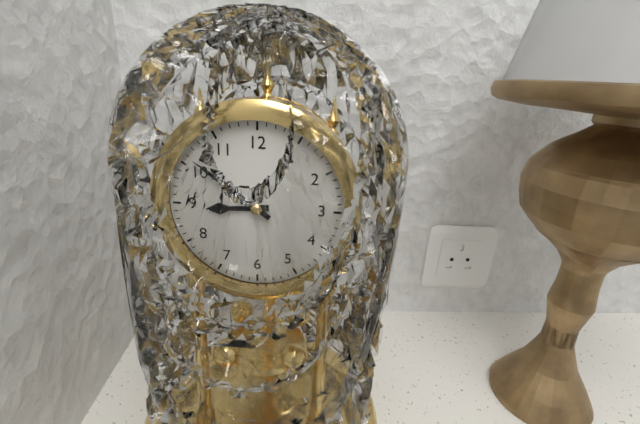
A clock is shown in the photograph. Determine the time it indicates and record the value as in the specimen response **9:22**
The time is **8:51**
